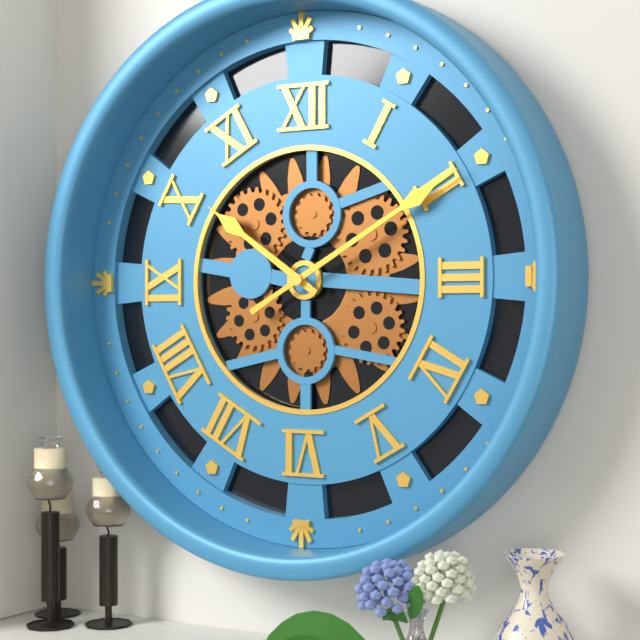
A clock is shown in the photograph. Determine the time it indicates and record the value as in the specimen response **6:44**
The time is **10:10**
